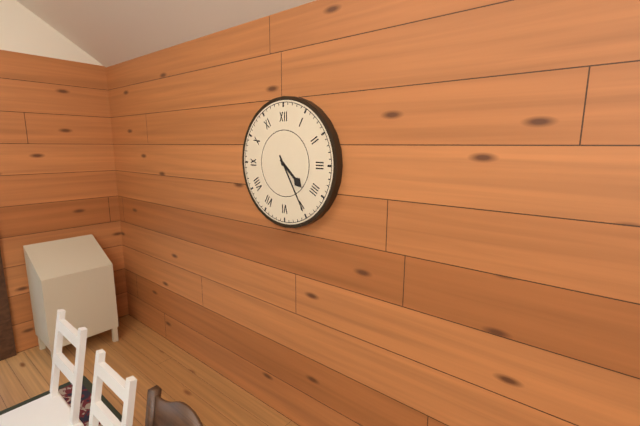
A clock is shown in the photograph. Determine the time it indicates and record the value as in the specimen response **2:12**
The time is **4:25**
